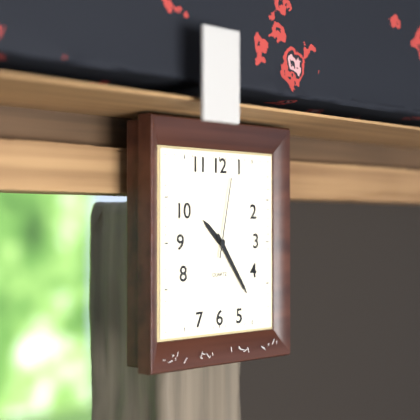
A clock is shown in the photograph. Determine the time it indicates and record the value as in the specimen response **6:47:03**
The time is **10:24:02**
